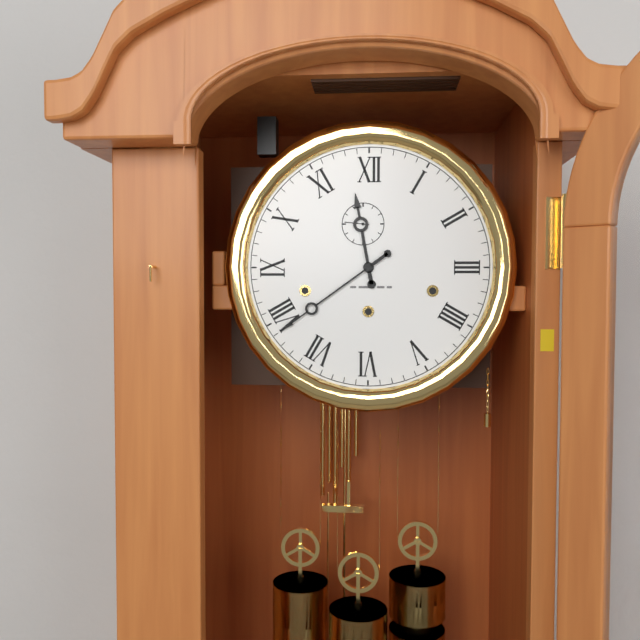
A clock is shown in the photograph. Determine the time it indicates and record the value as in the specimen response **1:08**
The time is **11:39**
